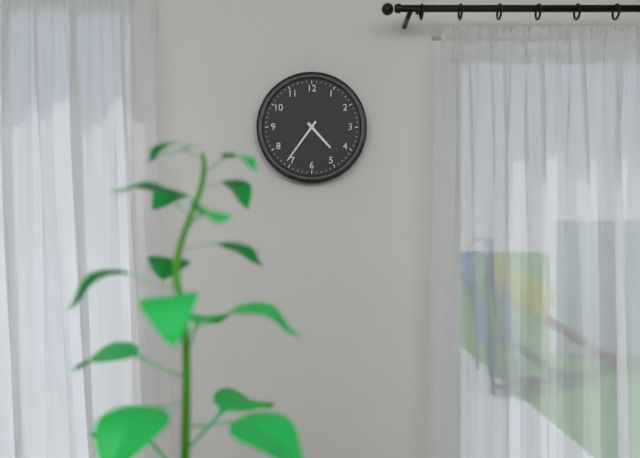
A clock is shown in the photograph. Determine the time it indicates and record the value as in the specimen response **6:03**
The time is **4:36**
